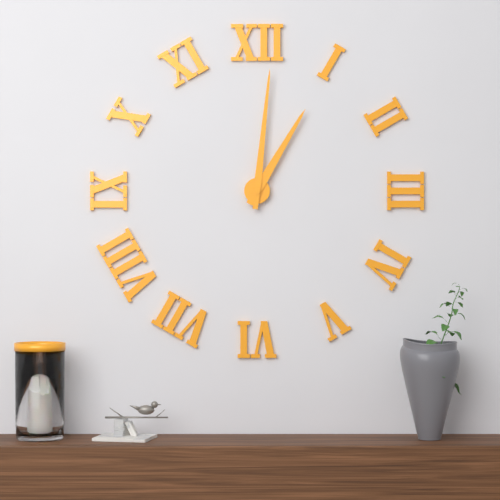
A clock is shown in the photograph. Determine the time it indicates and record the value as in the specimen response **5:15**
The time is **1:01**
